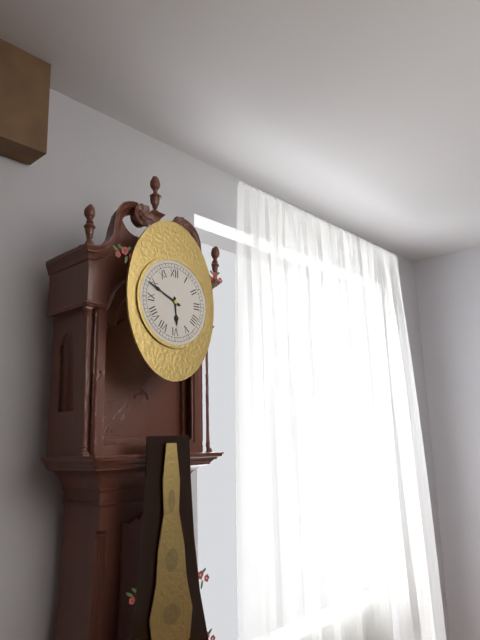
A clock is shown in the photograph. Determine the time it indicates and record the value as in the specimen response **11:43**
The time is **5:49**
